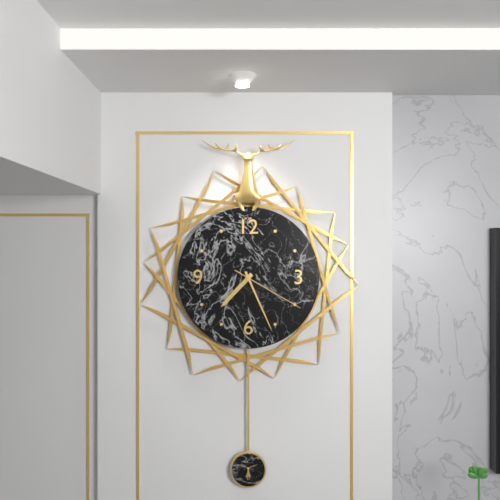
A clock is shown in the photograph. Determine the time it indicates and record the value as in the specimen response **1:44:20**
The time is **7:26:20**
